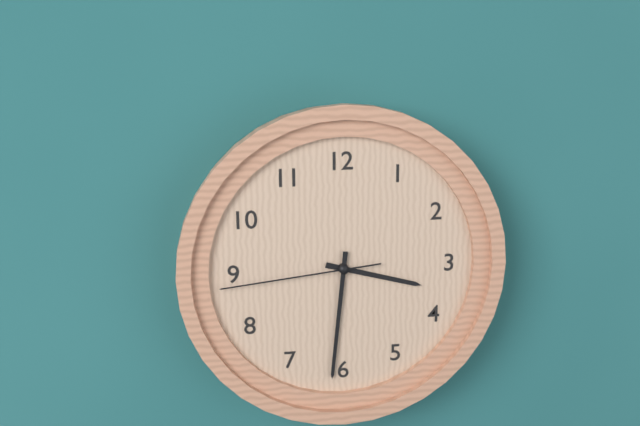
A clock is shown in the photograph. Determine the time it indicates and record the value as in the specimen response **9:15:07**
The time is **3:31:44**
